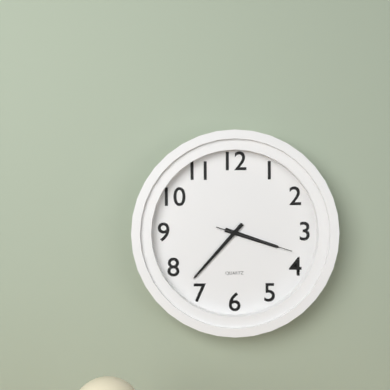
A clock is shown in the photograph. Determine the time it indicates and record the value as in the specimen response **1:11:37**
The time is **3:37:18**
